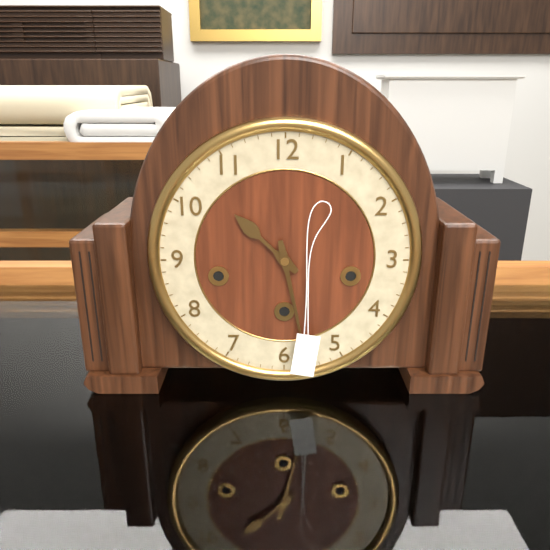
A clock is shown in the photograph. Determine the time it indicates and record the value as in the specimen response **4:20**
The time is **10:28**
